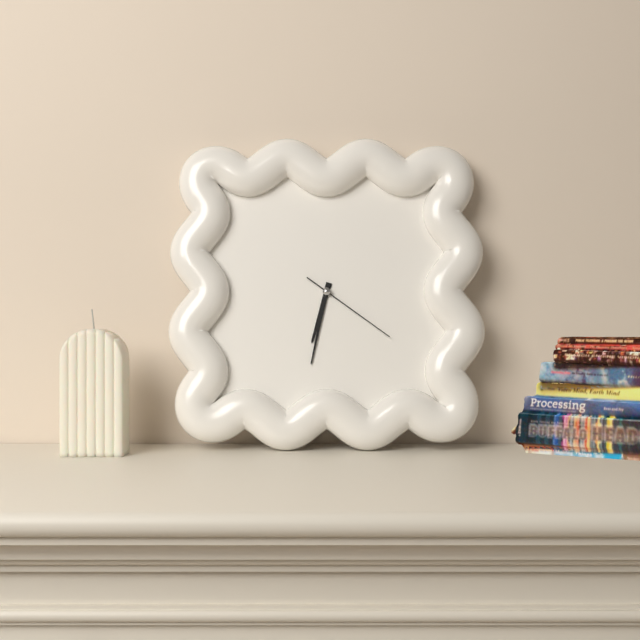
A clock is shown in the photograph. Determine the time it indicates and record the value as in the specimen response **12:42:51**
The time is **6:32:21**
